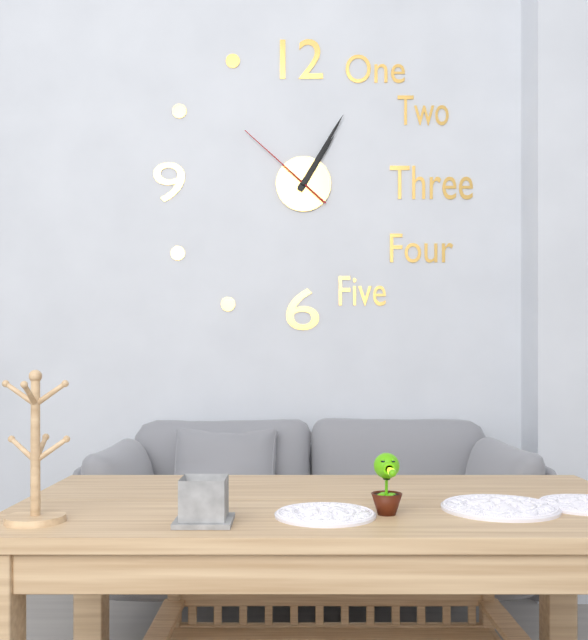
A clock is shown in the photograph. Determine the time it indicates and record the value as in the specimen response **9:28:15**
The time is **1:05:52**
